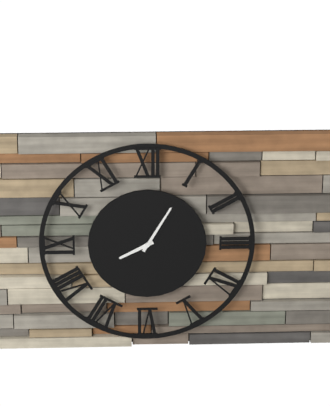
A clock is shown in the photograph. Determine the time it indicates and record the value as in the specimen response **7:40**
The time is **8:05**
